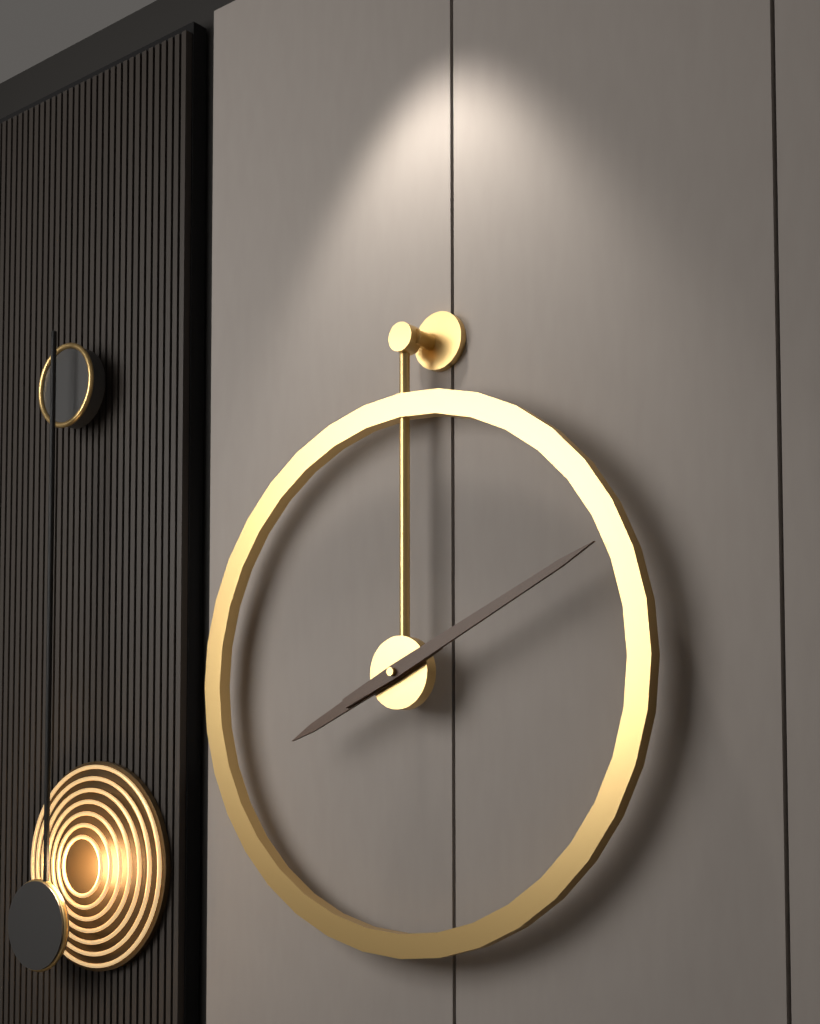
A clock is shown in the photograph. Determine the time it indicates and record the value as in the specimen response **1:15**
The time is **8:11**
